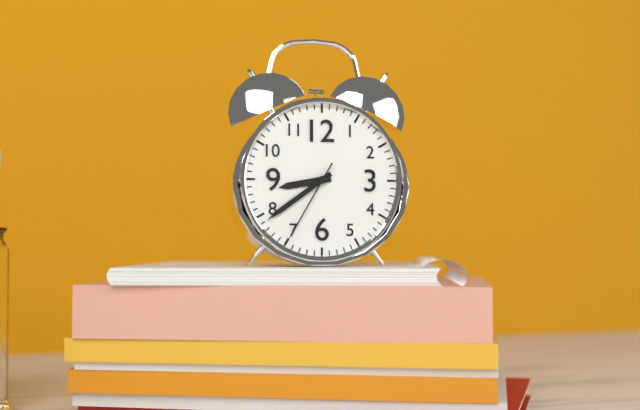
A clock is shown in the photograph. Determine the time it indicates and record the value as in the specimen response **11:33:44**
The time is **8:39:35**
